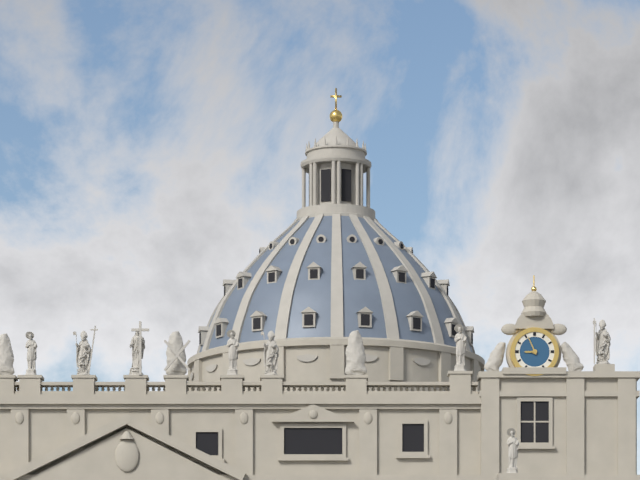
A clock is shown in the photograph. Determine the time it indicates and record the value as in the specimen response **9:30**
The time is **8:56**
